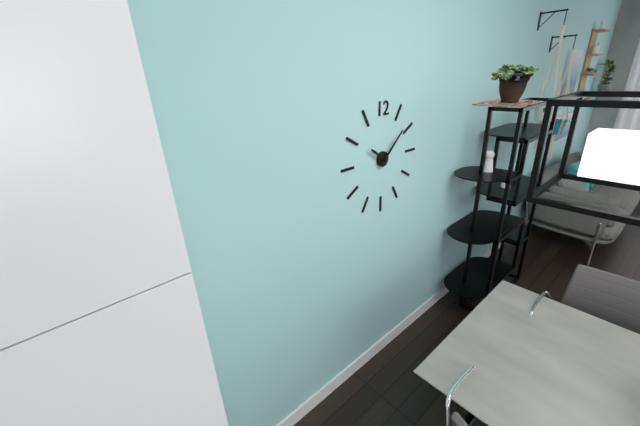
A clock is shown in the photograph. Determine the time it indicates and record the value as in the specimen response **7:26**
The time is **10:08**
